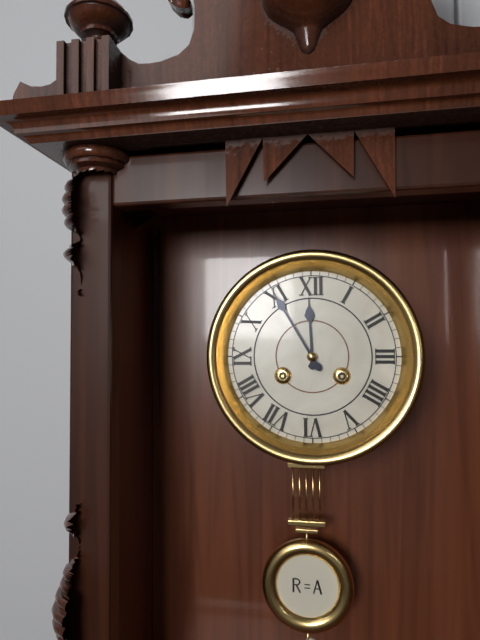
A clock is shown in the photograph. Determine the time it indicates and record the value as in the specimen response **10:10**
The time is **11:55**
